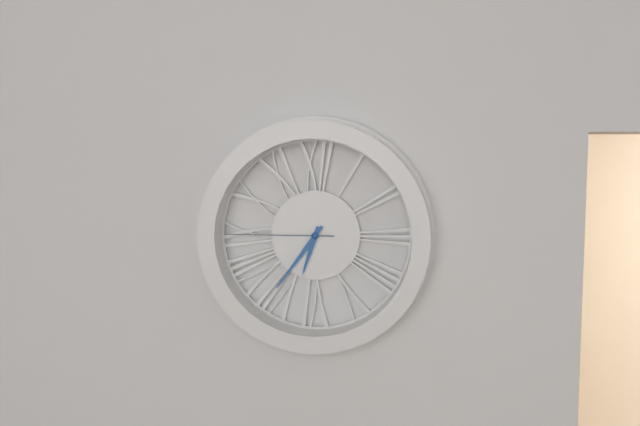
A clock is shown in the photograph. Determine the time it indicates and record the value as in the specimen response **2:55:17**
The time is **6:36:45**
